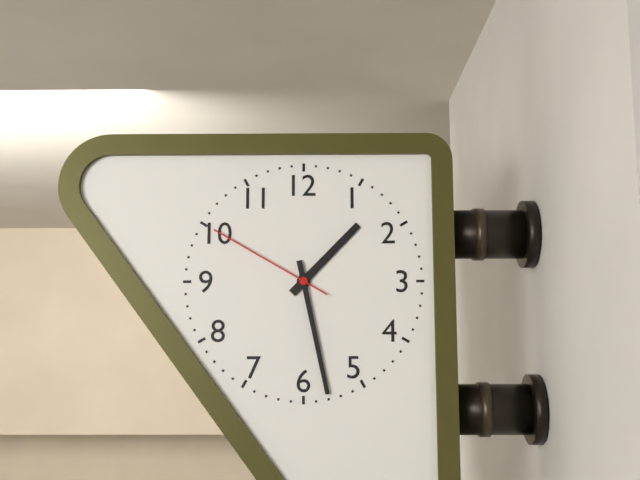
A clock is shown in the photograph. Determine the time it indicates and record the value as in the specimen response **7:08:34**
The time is **1:28:50**
